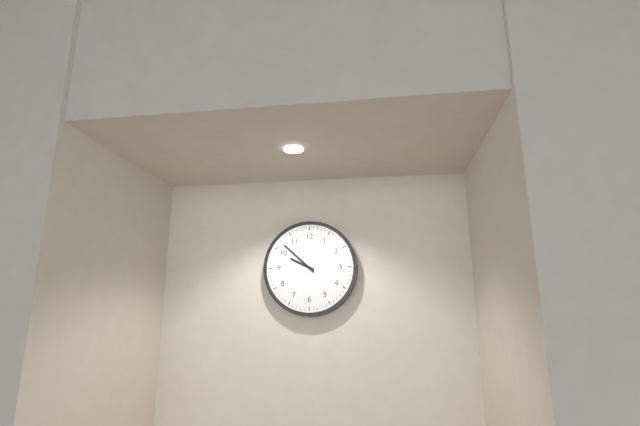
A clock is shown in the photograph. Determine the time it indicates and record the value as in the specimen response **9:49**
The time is **9:52**
